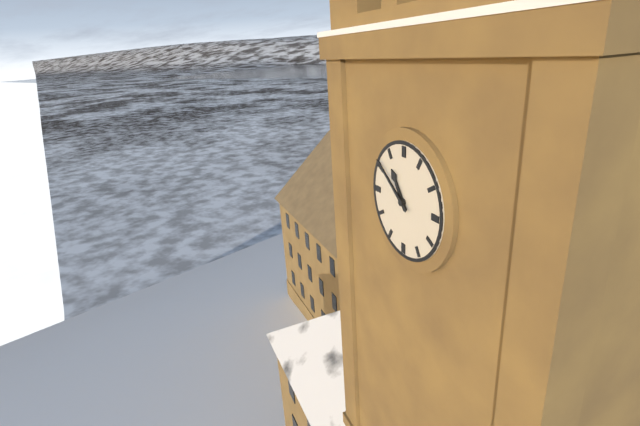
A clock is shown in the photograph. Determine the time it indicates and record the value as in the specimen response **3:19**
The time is **10:51**
